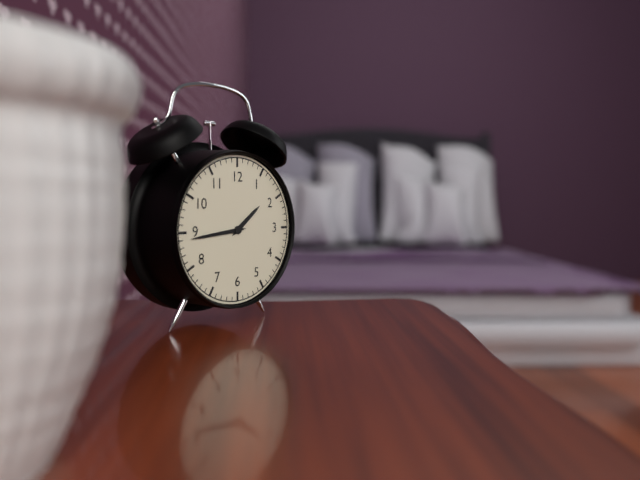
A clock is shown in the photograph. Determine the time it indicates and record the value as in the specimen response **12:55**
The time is **1:44**
